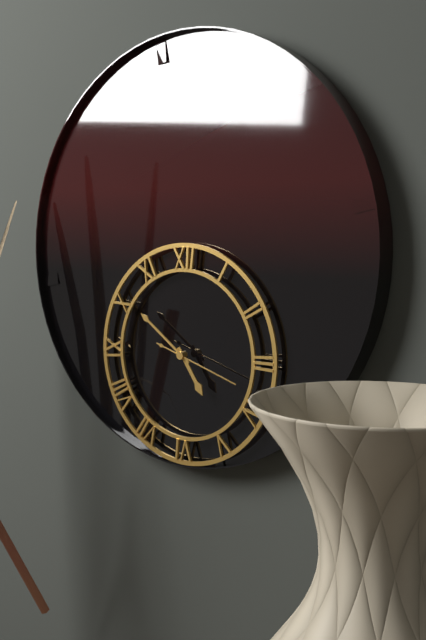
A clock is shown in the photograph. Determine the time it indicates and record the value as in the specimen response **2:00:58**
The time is **4:51:18**
